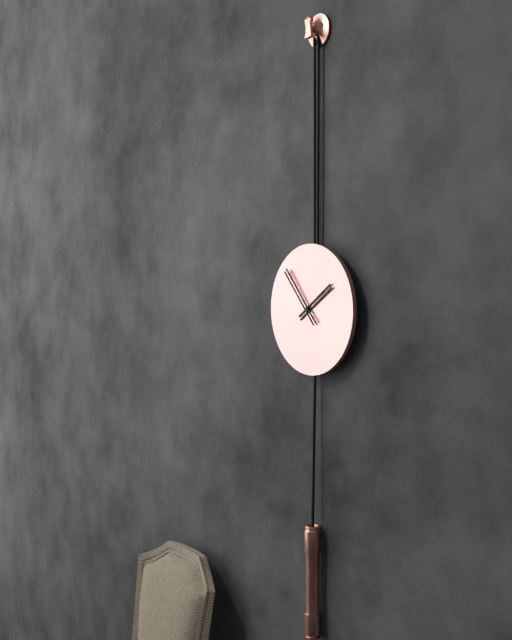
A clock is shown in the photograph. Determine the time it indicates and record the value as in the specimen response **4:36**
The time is **1:53**
